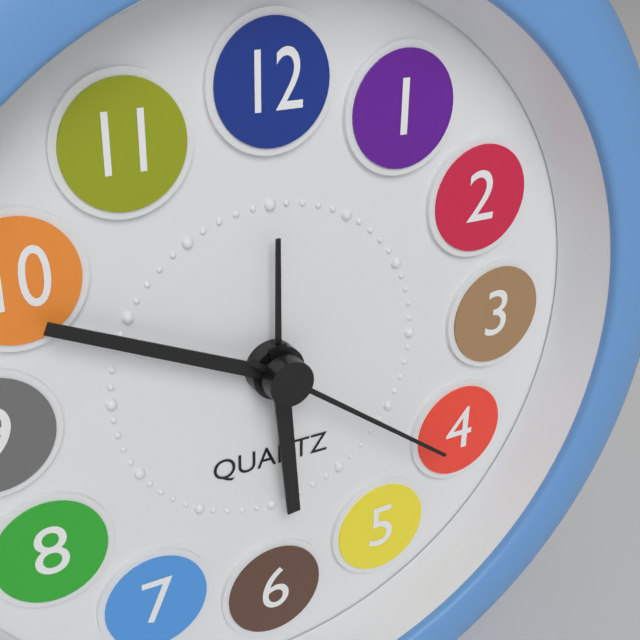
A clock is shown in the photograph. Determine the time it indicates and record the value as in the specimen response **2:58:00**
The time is **5:49:21**
